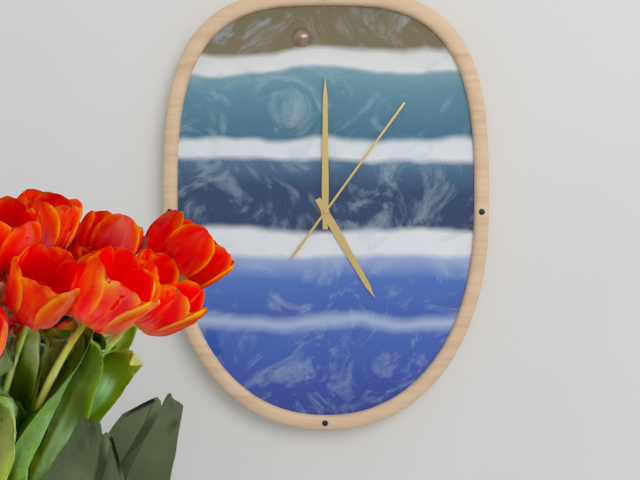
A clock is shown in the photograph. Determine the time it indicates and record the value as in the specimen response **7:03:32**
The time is **5:00:06**
